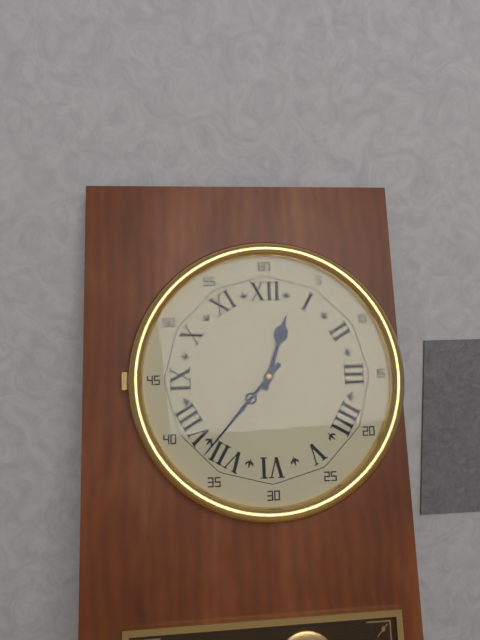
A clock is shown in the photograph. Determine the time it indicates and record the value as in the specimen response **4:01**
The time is **12:37**
